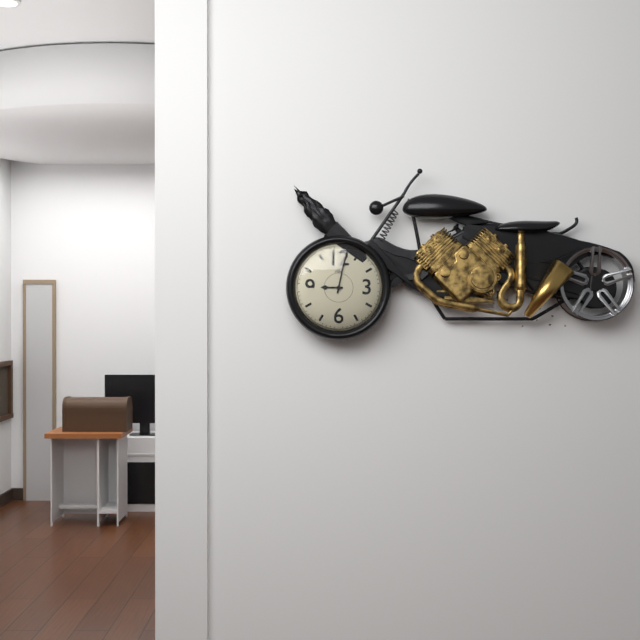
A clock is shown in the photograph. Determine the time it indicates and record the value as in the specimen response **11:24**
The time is **9:02**
